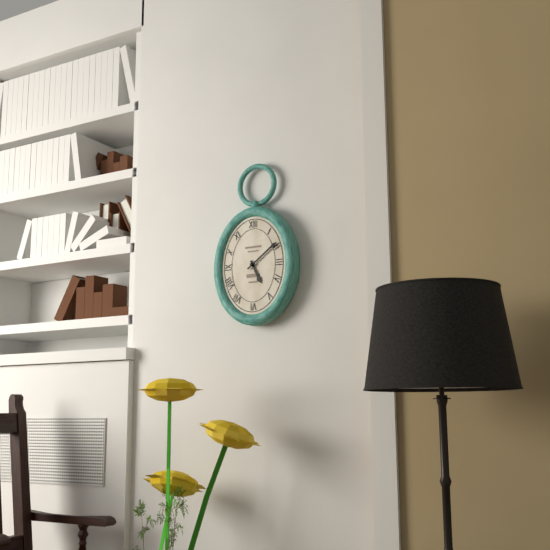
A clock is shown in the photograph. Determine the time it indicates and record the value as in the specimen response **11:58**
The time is **5:09**
